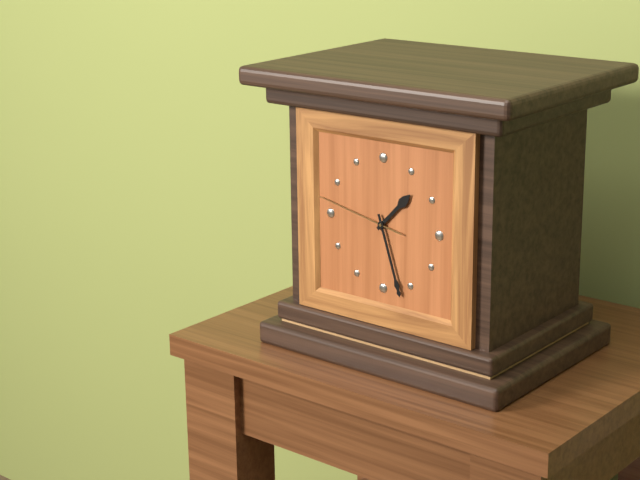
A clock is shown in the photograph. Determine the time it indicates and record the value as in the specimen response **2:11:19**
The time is **1:27:47**
